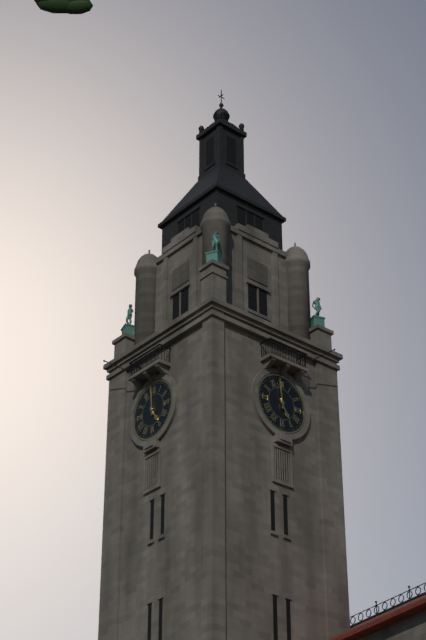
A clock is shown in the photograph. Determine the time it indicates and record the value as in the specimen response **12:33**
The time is **4:59**
